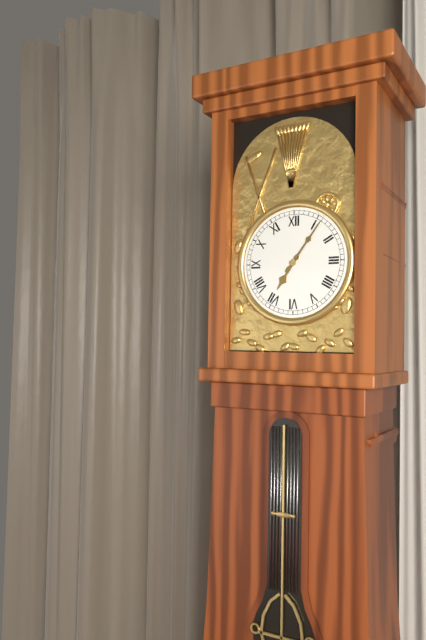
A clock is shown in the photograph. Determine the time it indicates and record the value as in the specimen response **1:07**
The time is **7:06**
